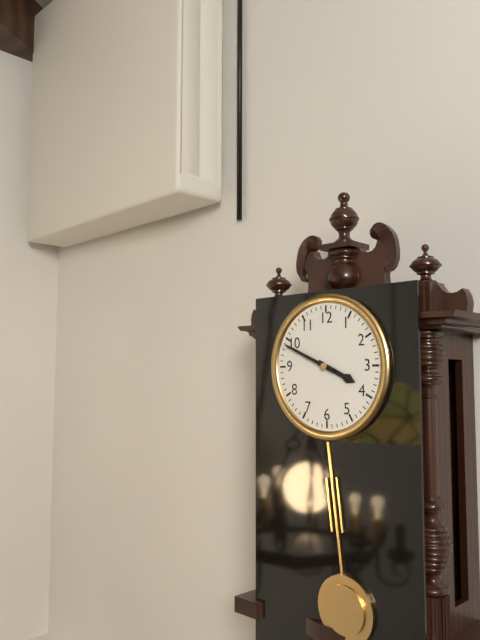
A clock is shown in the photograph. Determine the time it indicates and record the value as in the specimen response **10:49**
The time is **3:49**
